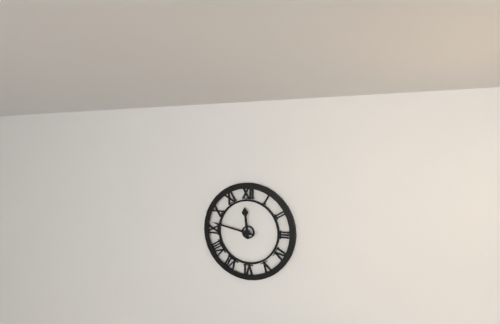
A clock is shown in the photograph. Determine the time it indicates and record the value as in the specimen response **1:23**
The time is **11:47**
